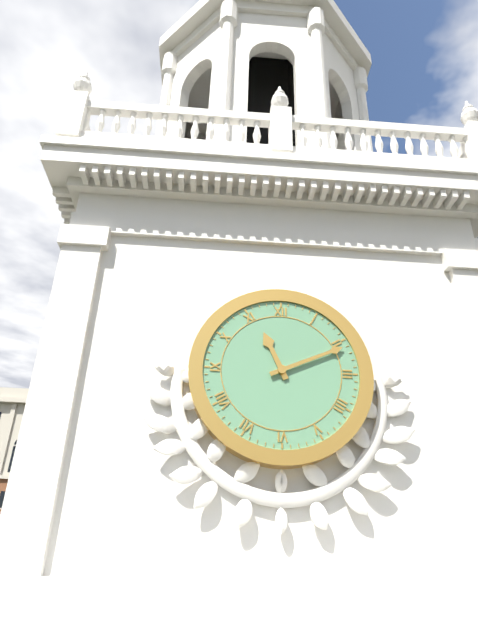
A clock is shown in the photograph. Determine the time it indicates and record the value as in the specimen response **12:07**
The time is **11:11**
